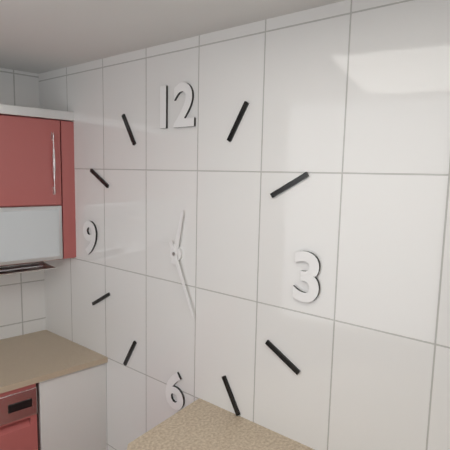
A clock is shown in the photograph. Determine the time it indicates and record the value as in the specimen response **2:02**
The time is **12:26**
